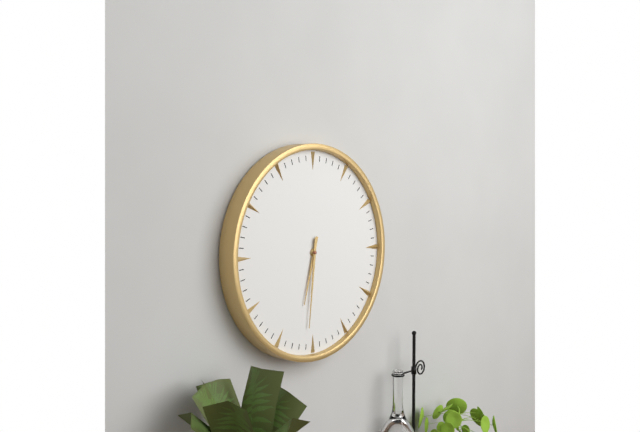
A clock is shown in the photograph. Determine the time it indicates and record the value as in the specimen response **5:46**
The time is **6:31**
